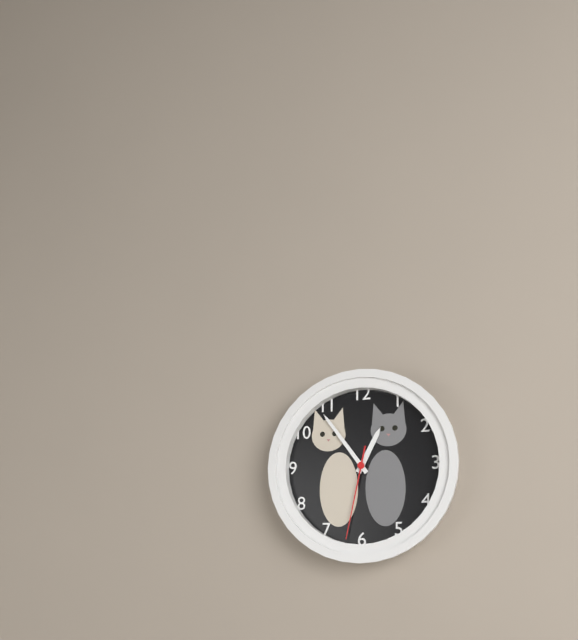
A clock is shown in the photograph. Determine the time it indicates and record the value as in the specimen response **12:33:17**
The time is **12:54:32**
